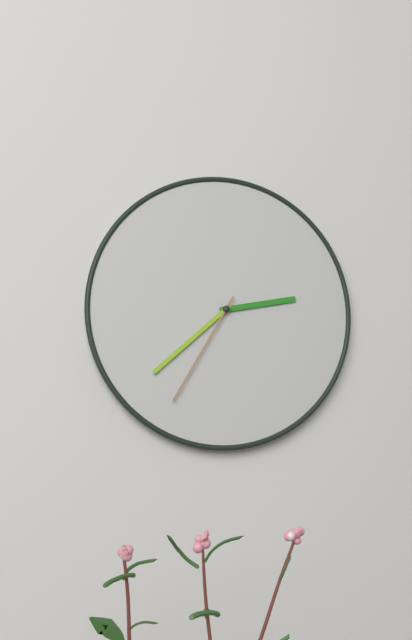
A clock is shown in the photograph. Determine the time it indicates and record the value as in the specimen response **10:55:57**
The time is **2:38:35**
